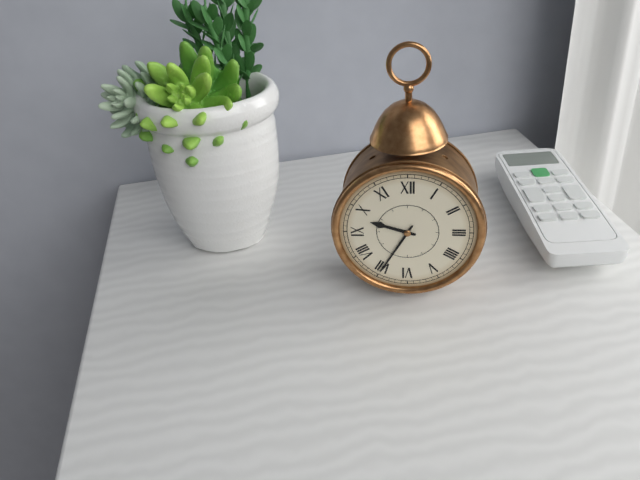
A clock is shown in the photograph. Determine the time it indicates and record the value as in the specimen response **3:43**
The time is **9:35**
